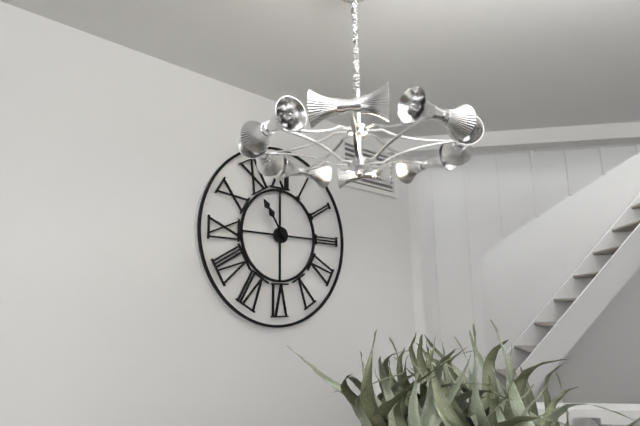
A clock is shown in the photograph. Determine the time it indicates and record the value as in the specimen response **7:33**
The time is **10:54**
